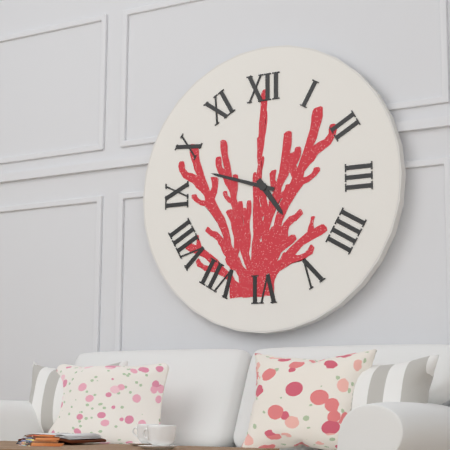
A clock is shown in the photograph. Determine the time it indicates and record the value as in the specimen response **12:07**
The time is **4:48**
